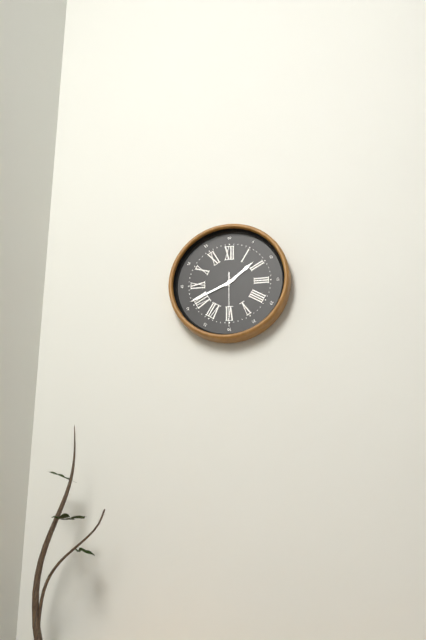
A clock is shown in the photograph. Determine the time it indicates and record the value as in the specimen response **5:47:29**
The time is **1:41:30**
